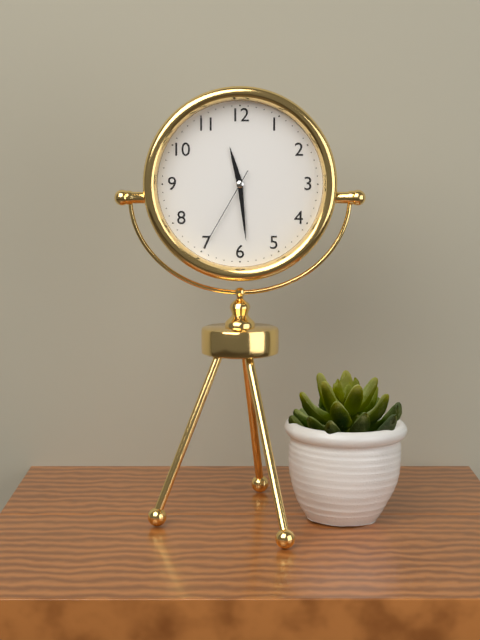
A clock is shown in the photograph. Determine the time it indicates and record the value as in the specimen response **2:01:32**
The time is **11:29:35**
